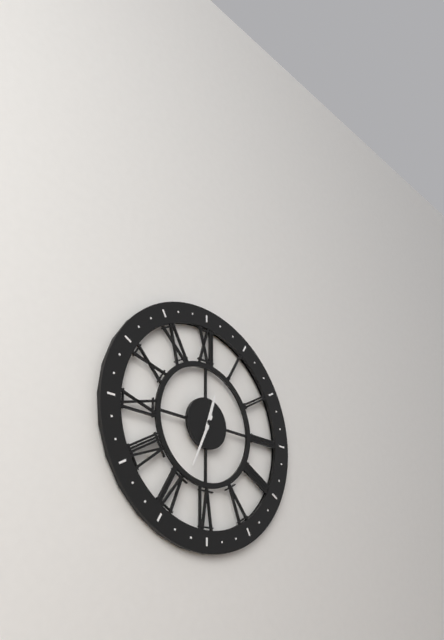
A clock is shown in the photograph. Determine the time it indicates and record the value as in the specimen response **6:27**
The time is **12:34**
